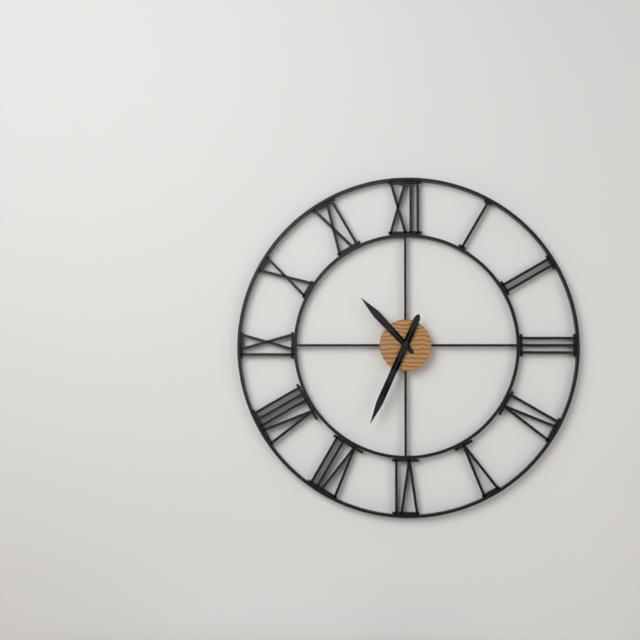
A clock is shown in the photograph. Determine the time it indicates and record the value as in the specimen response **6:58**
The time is **10:34**
